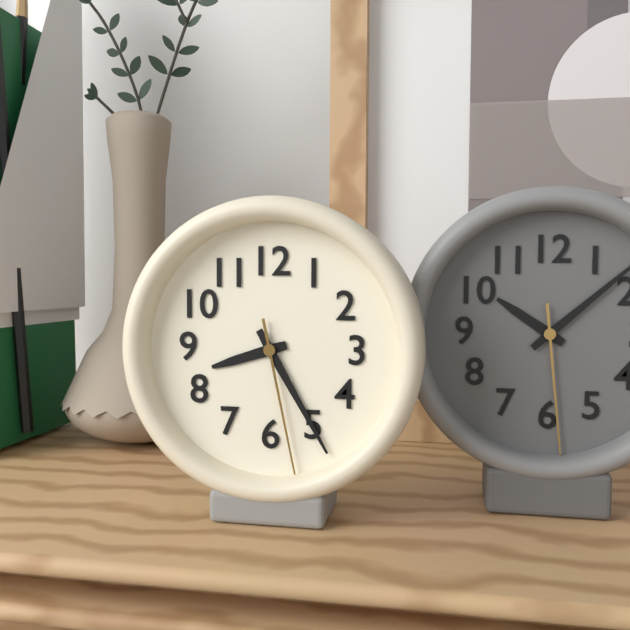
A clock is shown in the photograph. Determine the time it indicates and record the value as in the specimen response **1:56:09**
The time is **8:25:28**
